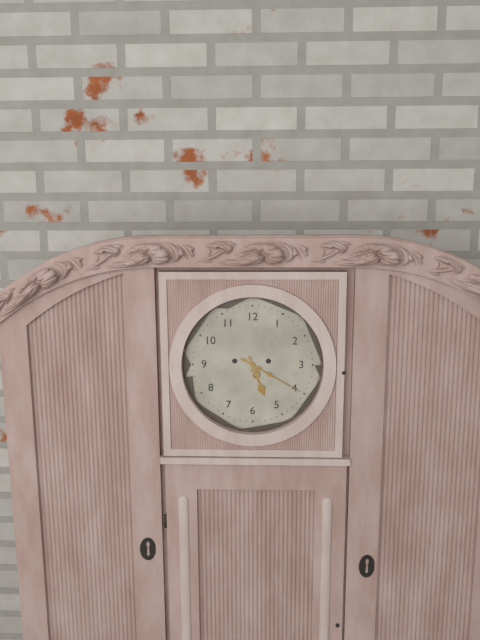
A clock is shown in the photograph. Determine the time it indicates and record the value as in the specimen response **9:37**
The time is **5:20**
